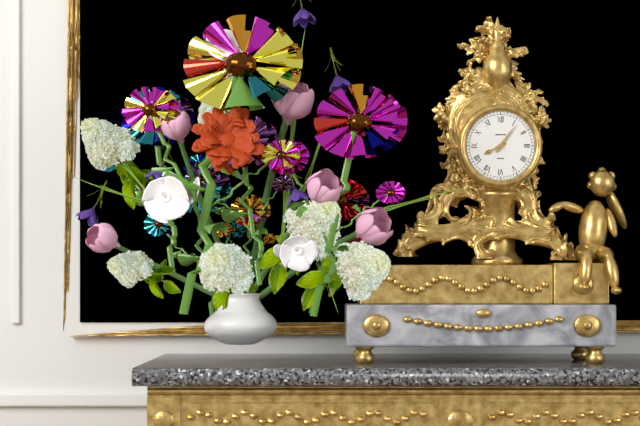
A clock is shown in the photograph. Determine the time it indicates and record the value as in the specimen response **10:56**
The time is **8:06**
